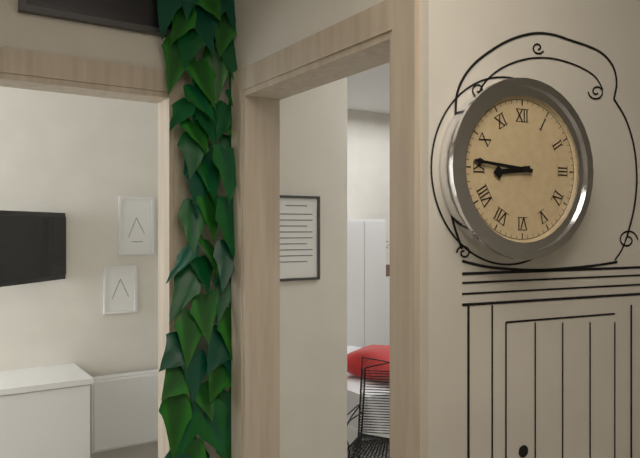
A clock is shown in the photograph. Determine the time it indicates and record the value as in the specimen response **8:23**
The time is **8:46**
